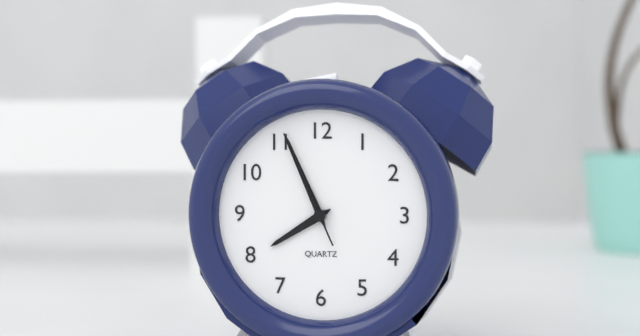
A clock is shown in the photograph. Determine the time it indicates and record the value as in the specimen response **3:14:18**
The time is **7:56:56**
